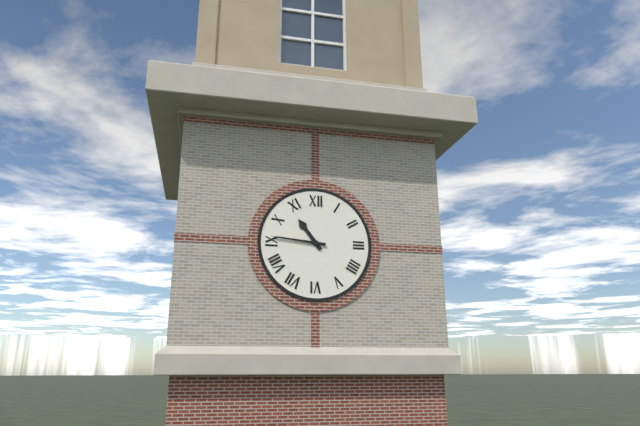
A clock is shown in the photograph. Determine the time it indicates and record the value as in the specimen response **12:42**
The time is **10:46**
